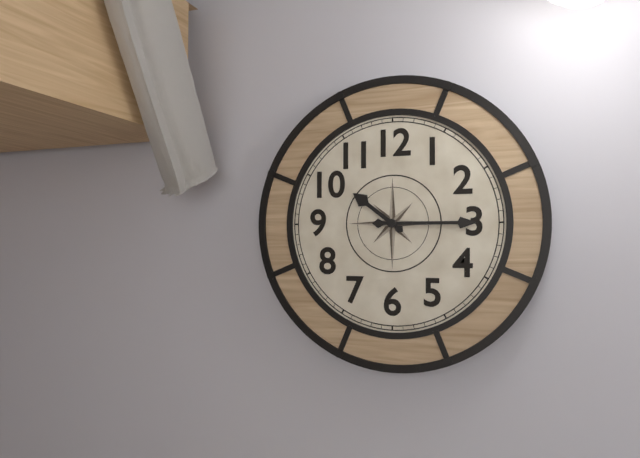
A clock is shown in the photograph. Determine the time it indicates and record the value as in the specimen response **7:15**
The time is **10:15**
